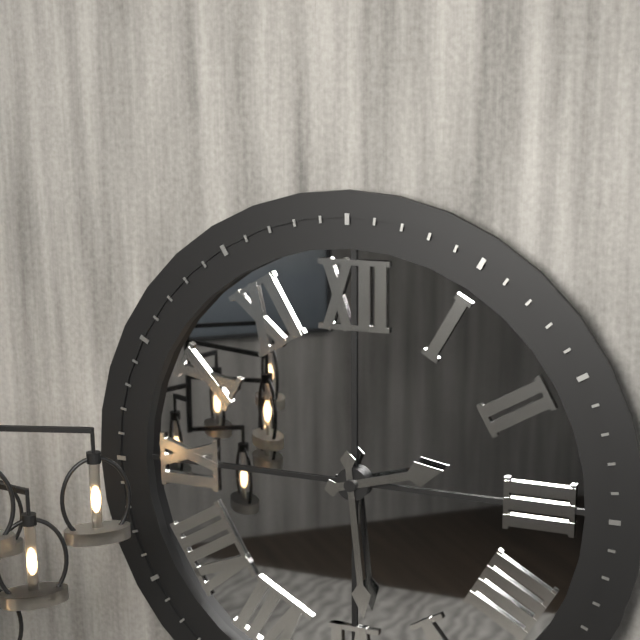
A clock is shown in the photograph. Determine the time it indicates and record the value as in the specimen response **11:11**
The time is **2:29**
